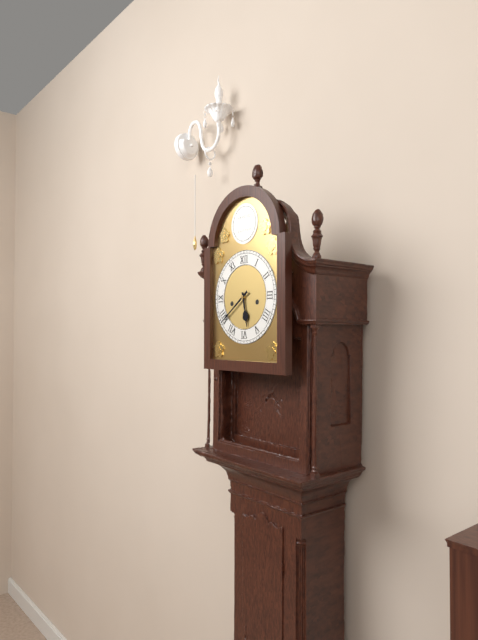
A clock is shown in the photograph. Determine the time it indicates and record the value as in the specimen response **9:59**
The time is **5:39**
